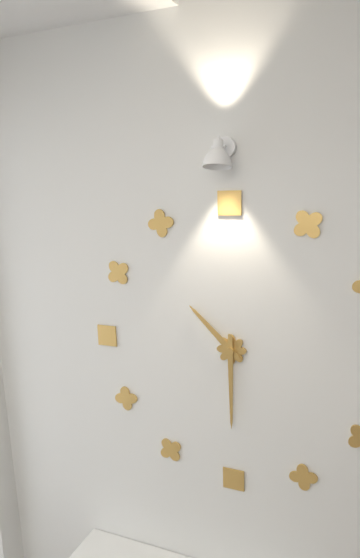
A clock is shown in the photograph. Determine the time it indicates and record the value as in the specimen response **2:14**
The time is **10:30**
